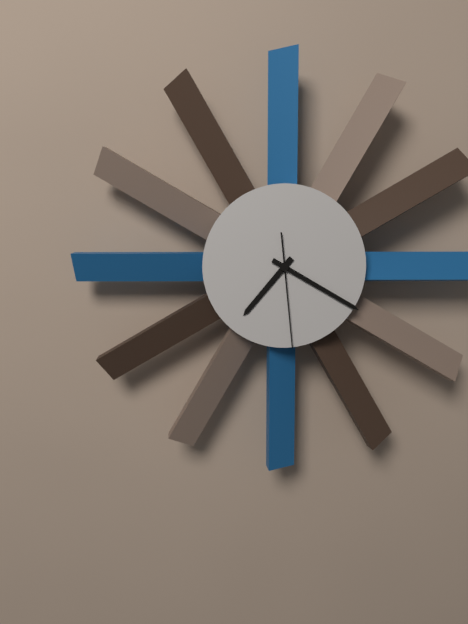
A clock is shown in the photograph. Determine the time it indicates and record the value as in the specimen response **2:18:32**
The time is **7:20:29**
